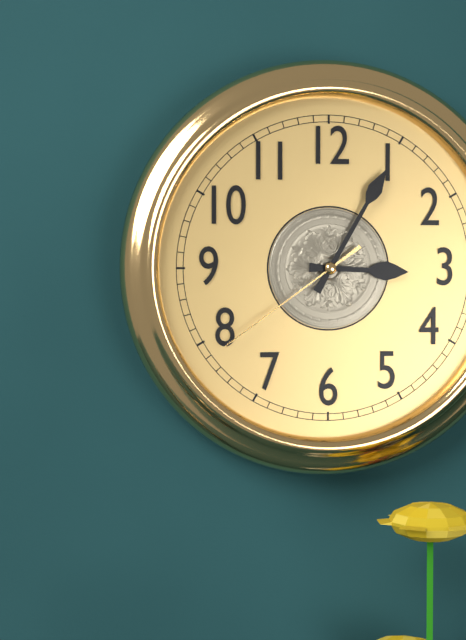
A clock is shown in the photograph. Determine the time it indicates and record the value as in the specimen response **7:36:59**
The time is **3:05:39**
